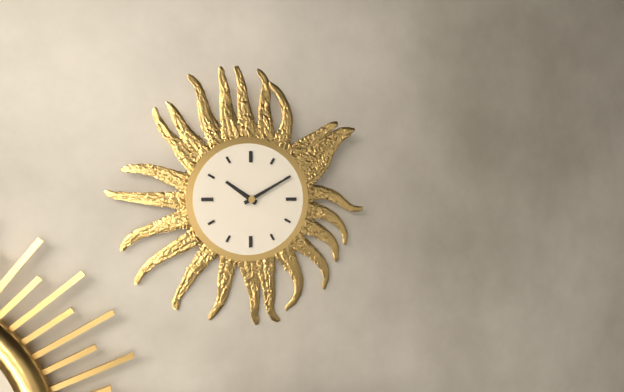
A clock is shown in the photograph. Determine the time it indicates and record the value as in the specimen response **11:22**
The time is **10:10**
